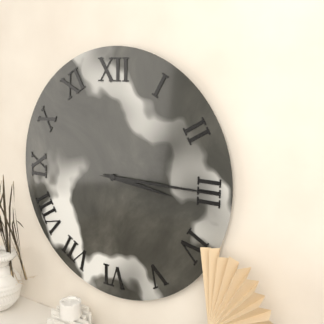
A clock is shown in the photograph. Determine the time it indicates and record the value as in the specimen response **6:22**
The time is **3:15**
